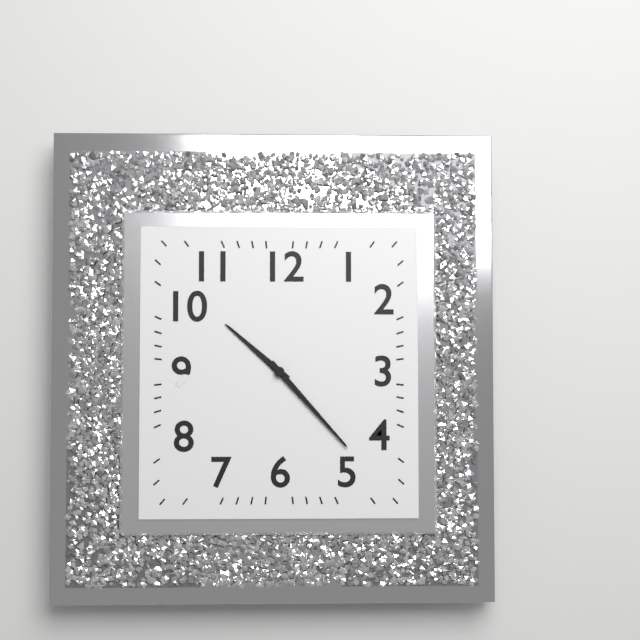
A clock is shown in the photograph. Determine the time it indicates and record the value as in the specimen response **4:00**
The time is **10:23**
